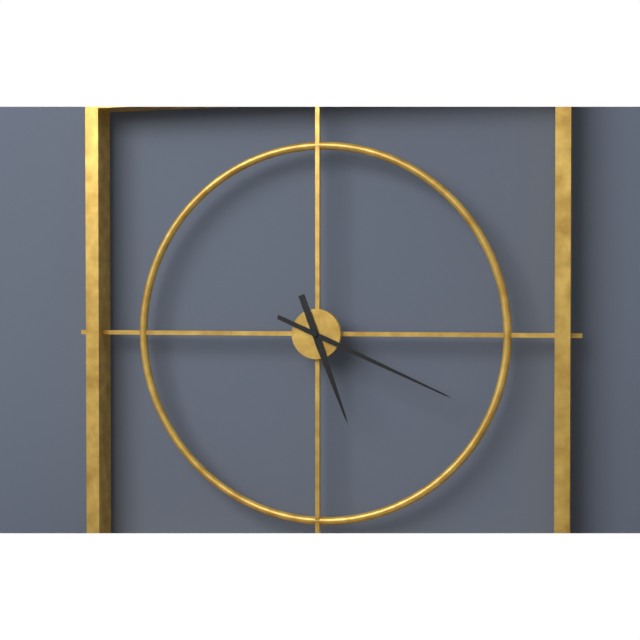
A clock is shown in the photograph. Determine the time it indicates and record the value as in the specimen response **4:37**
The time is **5:19**
